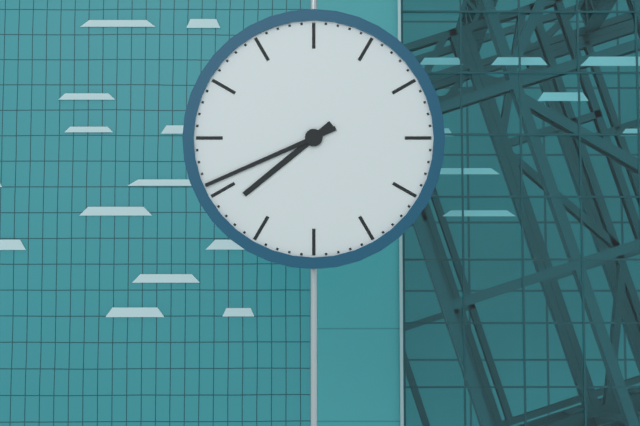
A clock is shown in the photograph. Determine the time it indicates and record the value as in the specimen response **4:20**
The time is **7:41**
